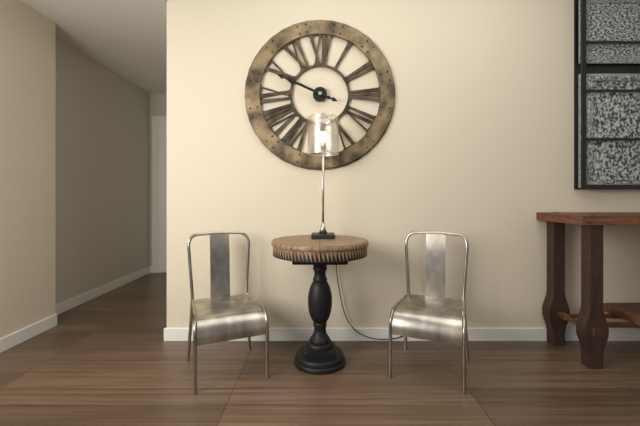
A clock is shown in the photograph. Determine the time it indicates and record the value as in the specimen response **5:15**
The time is **9:49**
